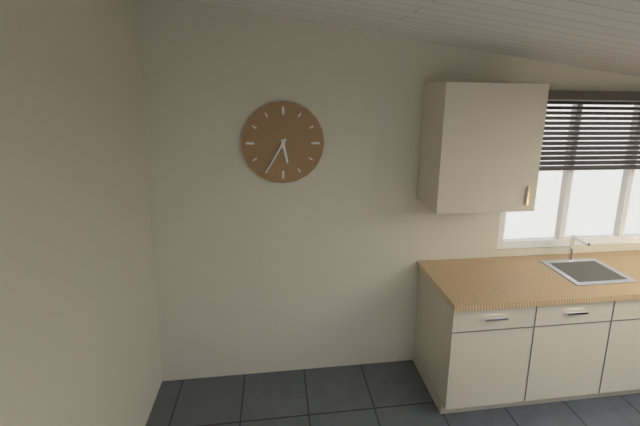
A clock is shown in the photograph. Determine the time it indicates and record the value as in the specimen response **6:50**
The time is **5:35**
